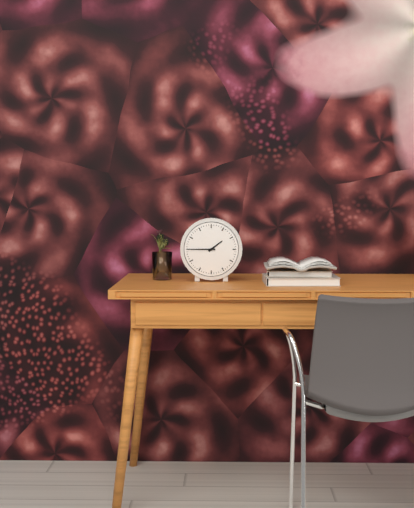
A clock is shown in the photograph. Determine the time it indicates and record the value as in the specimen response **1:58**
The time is **1:45**
